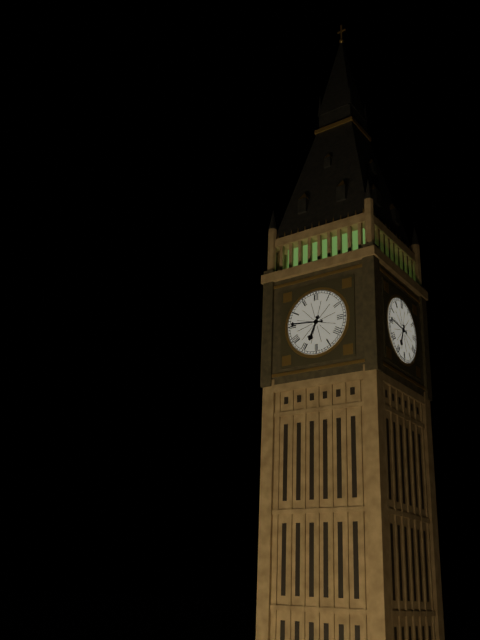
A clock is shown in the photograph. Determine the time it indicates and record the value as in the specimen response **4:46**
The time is **6:46**
